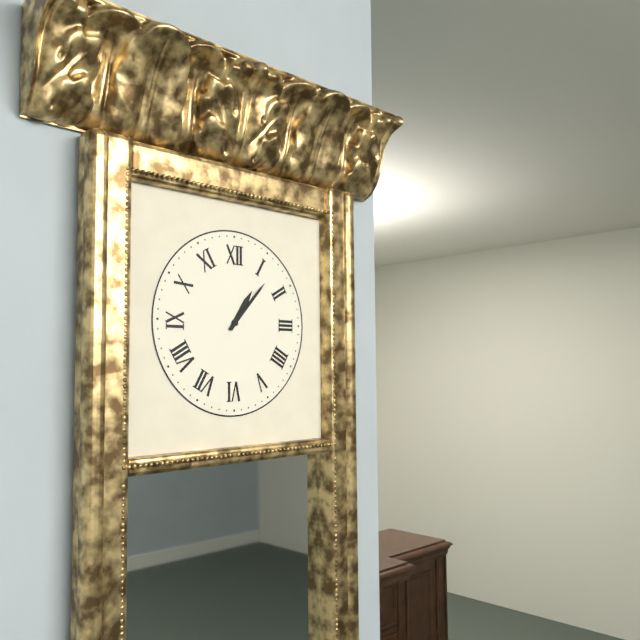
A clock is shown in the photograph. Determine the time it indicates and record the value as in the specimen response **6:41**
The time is **1:07**
